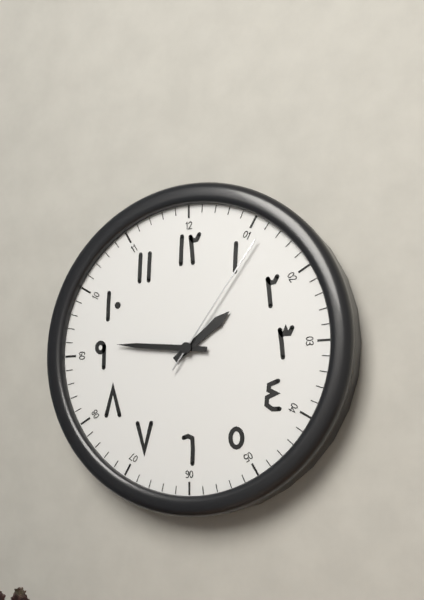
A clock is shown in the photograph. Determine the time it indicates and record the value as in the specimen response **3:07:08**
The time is **1:46:06**
